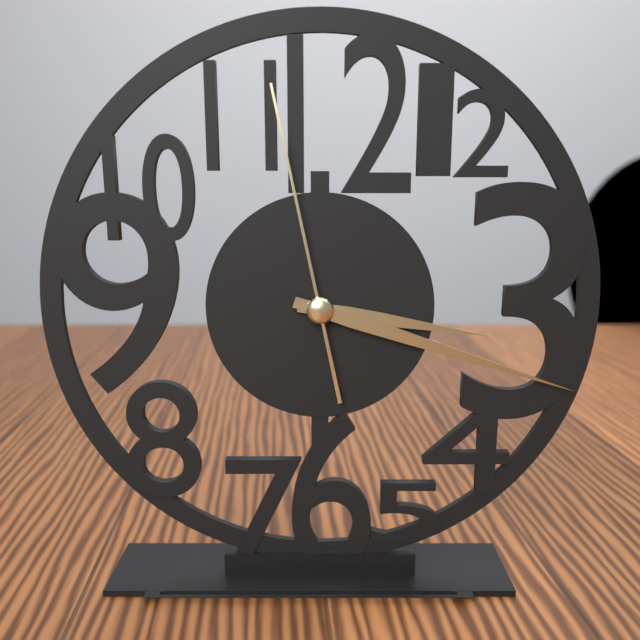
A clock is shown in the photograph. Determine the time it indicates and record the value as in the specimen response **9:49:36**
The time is **3:18:58**
